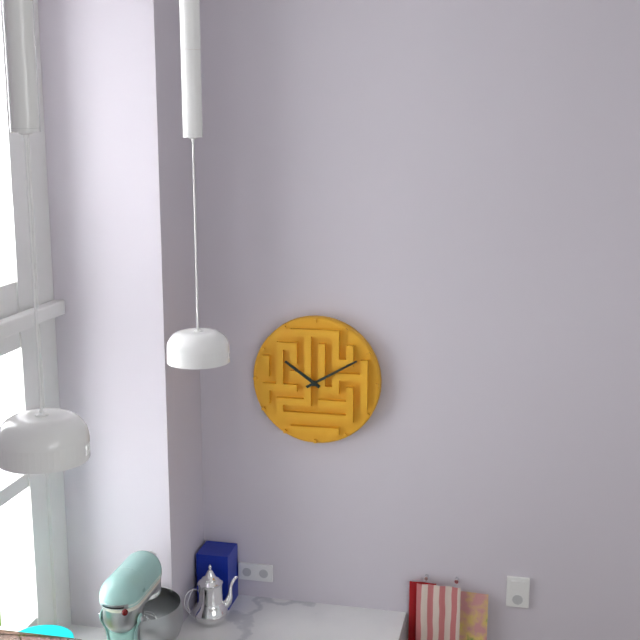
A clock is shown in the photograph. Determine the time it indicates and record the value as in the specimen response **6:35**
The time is **10:10**
